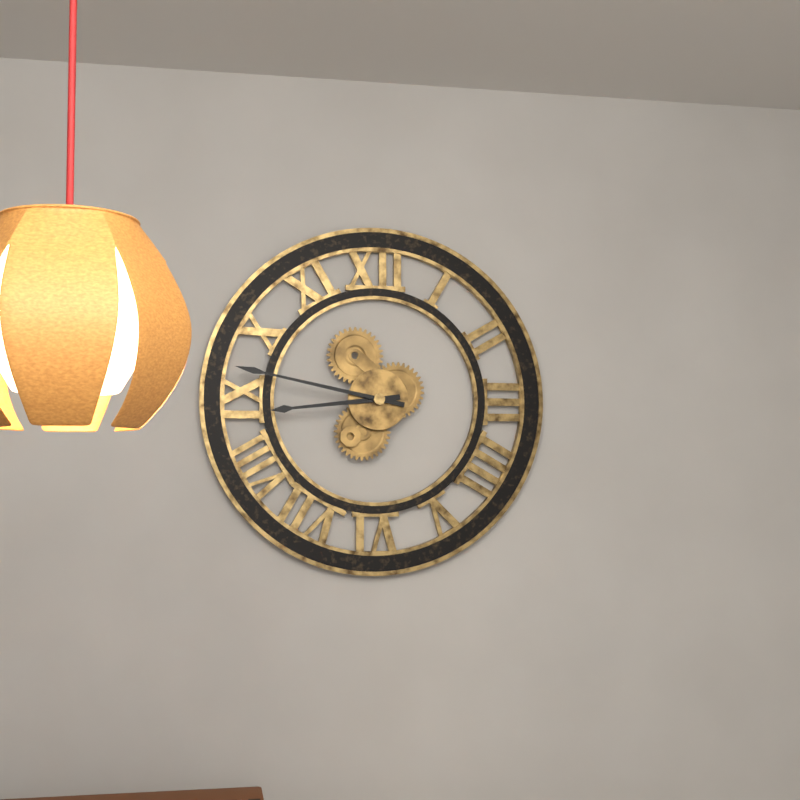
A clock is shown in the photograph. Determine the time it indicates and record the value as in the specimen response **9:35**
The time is **8:47**
